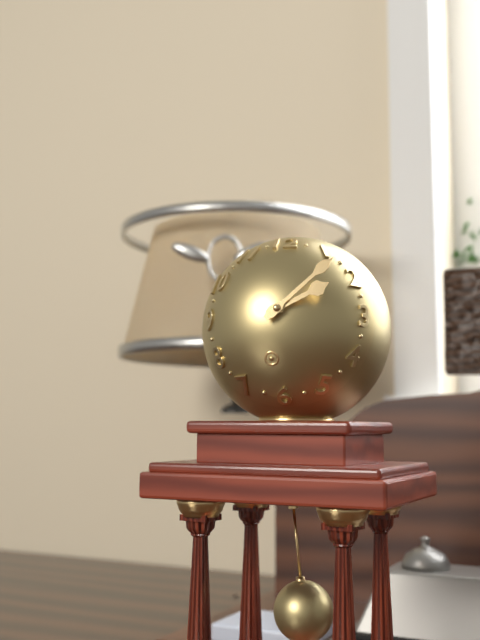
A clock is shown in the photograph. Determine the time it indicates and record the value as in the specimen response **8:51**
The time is **2:08**
